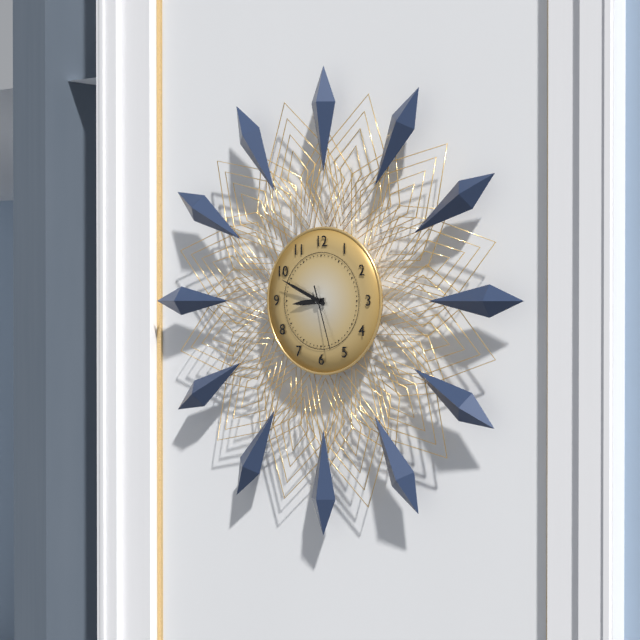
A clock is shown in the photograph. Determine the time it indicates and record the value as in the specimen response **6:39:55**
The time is **8:49:27**
